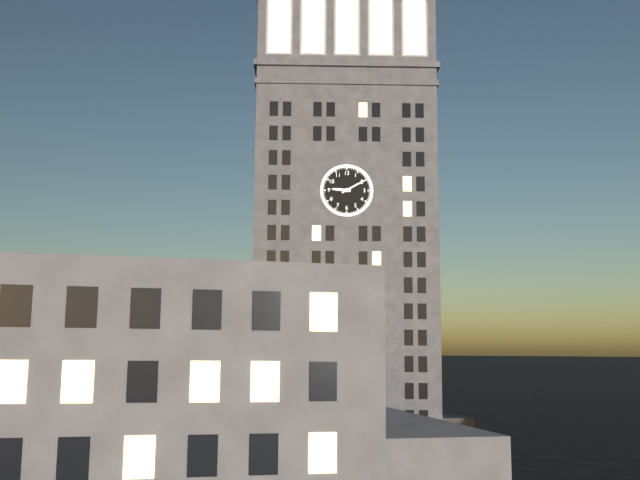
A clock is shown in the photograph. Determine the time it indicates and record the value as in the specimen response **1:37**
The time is **9:10**
